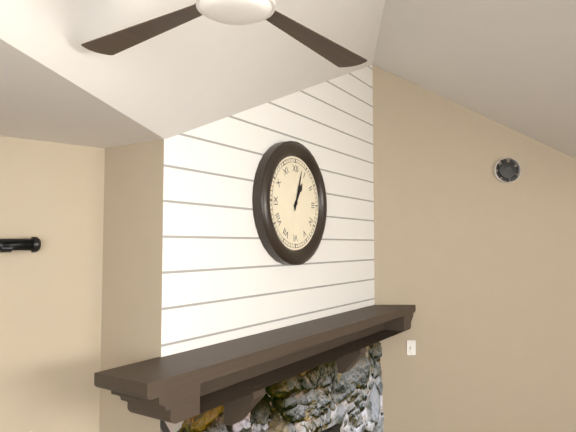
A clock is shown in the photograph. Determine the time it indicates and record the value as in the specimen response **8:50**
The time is **1:03**
